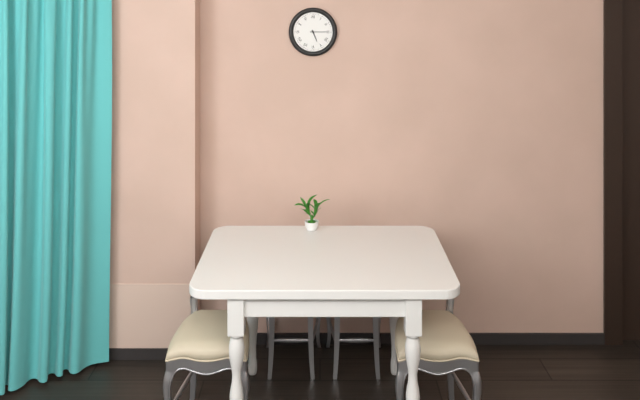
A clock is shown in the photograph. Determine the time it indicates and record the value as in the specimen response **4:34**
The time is **5:15**
